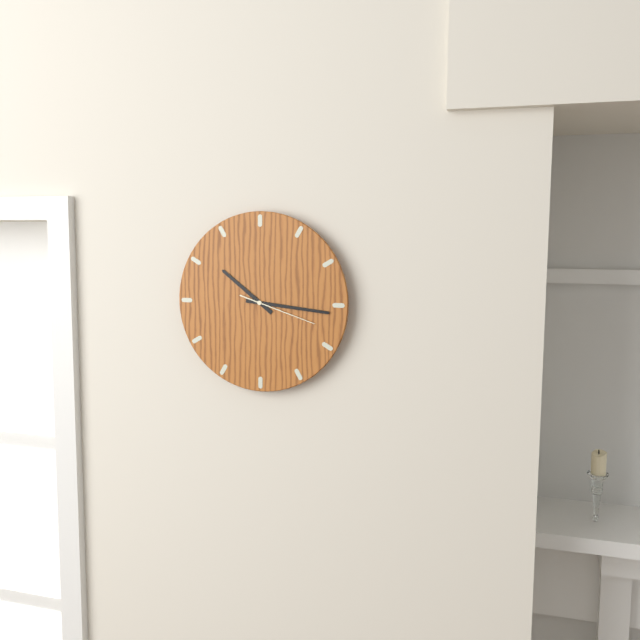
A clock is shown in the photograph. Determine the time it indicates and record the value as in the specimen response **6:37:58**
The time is **10:16:18**
